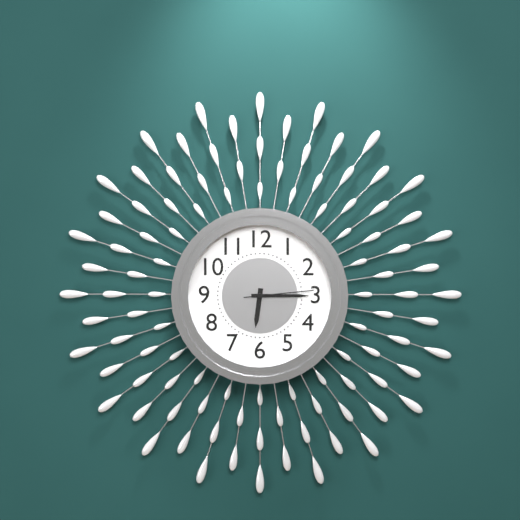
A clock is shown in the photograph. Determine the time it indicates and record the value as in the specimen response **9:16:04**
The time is **6:15:14**
